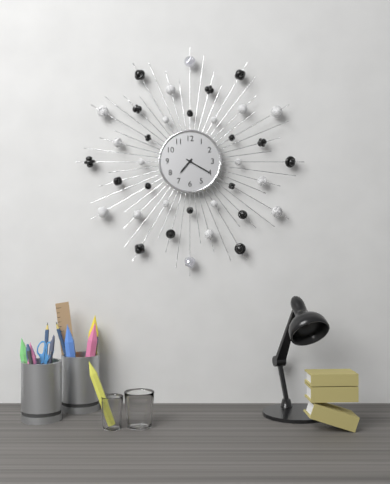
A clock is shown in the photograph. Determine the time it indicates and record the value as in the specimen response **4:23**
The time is **7:20**
